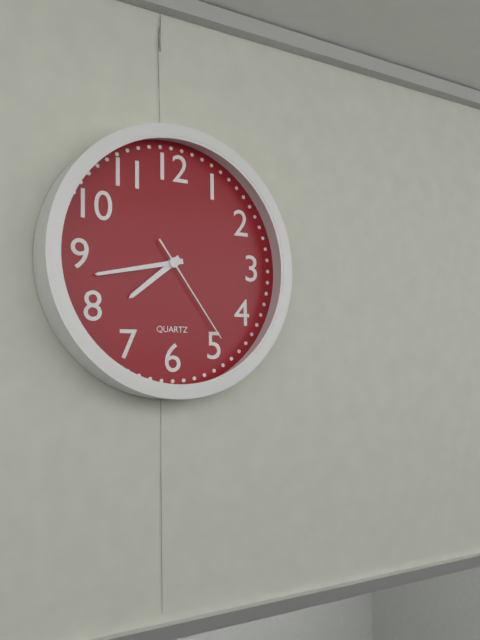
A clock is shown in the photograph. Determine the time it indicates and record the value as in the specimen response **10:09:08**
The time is **7:43:24**
